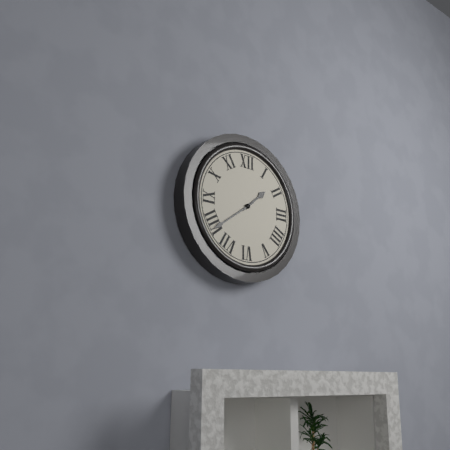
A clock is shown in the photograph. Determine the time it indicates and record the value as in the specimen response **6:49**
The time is **1:39**
